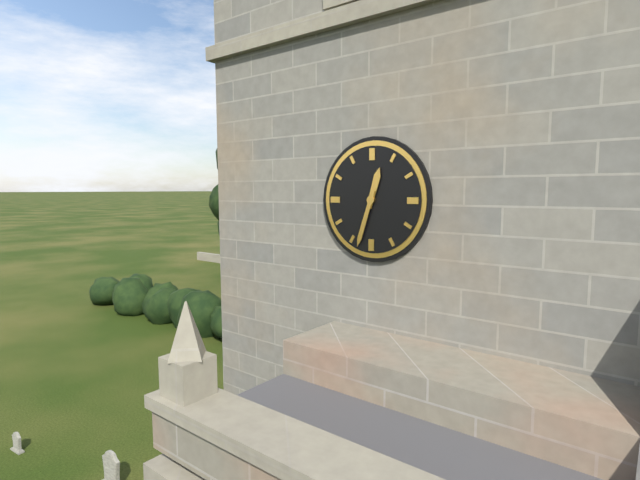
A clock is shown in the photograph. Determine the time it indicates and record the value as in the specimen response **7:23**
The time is **12:33**
